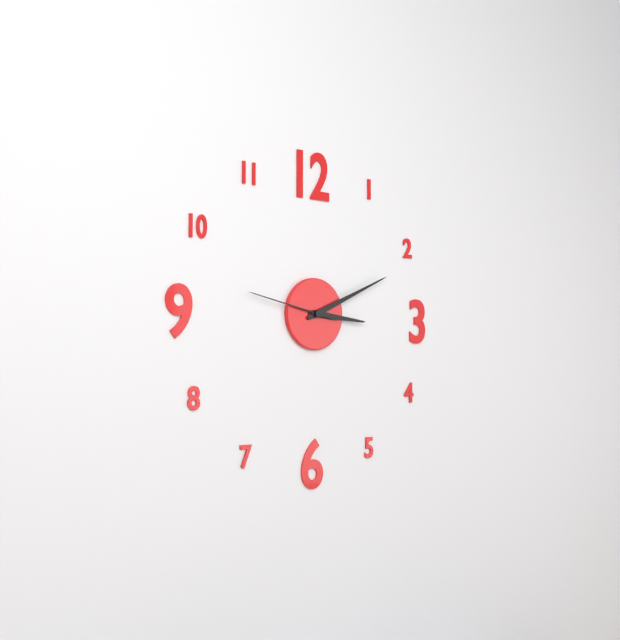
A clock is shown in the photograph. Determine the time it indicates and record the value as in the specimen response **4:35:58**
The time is **3:11:47**
